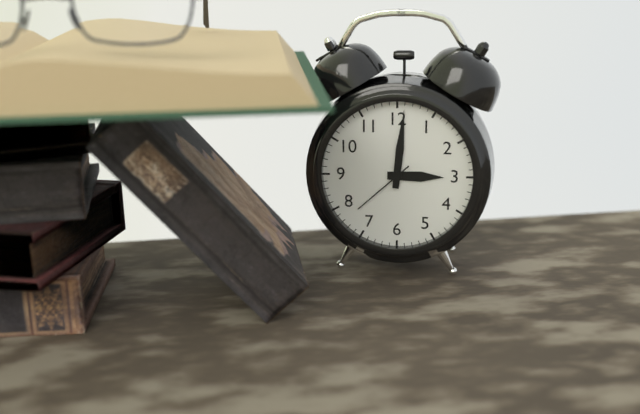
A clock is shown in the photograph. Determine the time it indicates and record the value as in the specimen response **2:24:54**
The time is **3:01:38**
